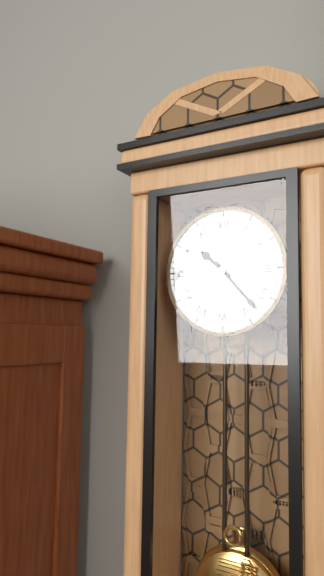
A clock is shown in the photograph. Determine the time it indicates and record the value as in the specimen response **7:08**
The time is **10:23**
